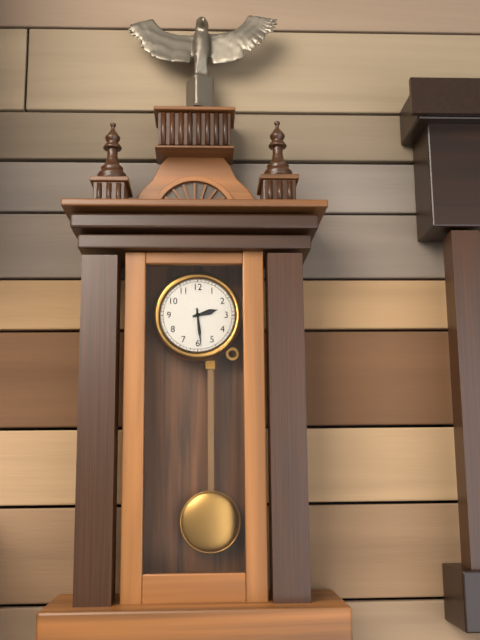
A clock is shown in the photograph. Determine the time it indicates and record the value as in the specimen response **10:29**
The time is **2:29**
